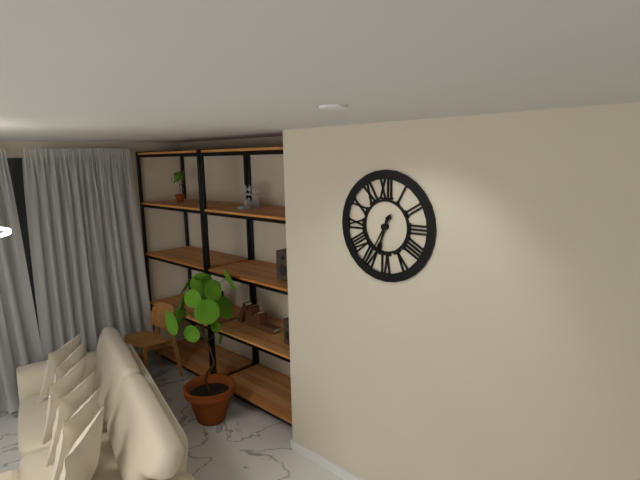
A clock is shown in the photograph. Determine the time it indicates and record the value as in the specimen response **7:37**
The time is **6:35**
